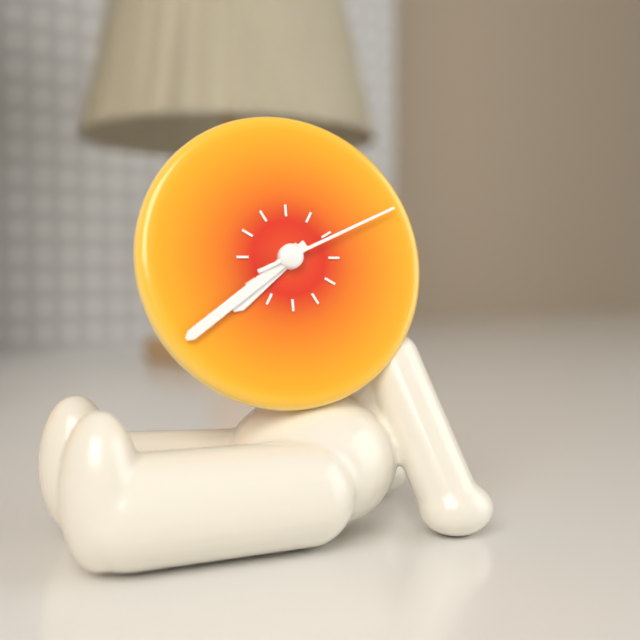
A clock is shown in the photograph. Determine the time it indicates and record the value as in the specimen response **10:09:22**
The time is **7:39:11**
